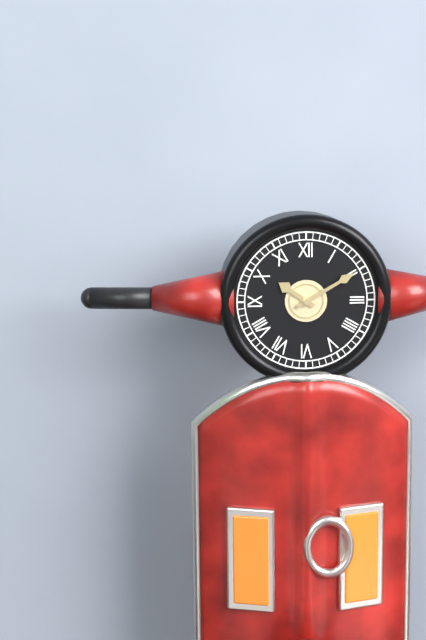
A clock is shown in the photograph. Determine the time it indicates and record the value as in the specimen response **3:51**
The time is **10:10**
